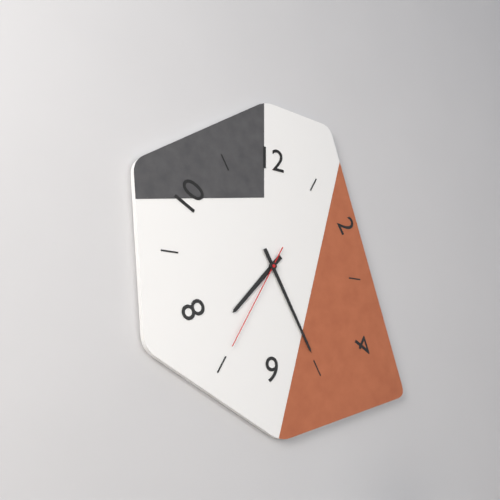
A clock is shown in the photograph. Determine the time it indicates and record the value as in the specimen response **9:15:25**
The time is **7:25:35**
